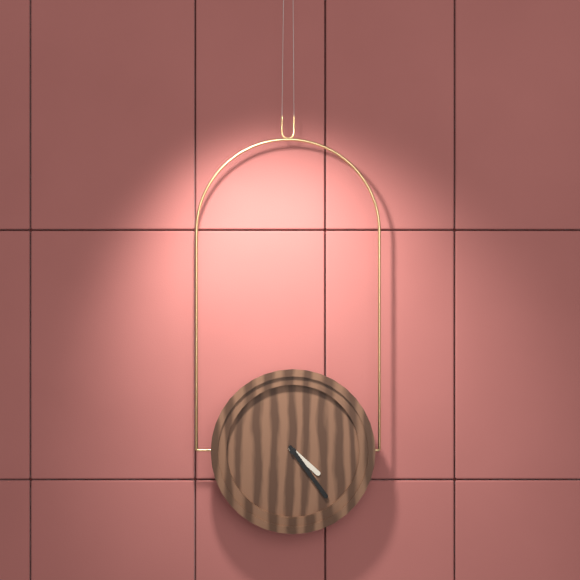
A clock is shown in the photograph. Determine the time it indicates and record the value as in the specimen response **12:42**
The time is **4:24**
